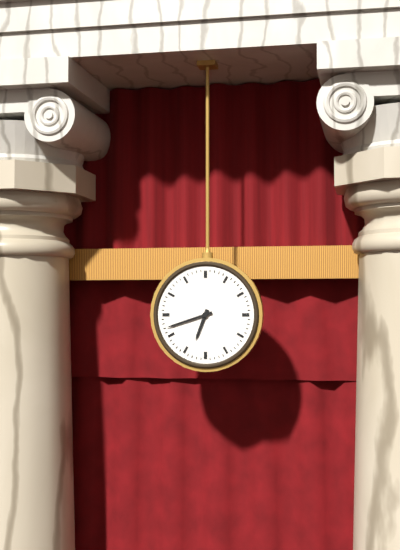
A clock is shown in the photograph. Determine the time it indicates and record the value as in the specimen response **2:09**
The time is **6:42**
